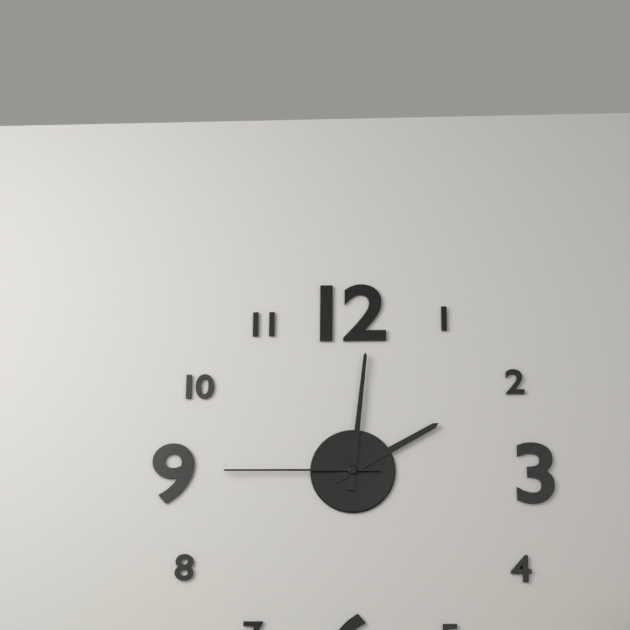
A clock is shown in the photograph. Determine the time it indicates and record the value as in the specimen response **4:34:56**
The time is **2:01:45**
